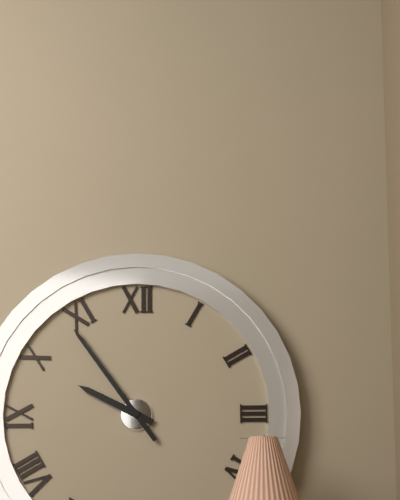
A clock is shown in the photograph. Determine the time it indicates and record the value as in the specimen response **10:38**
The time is **9:54**
